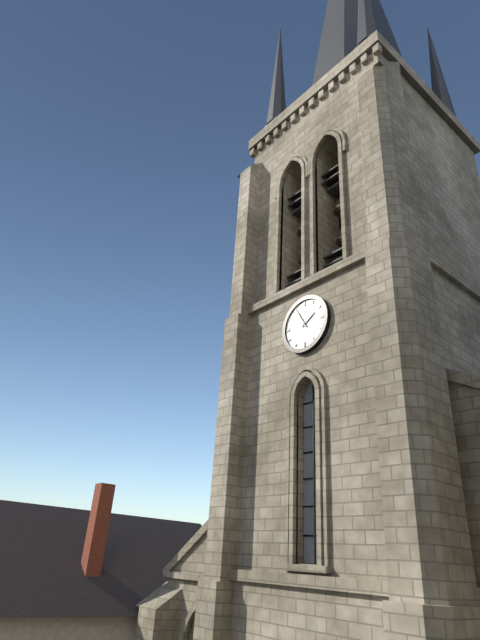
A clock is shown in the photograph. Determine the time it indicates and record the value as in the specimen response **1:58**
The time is **1:55**
